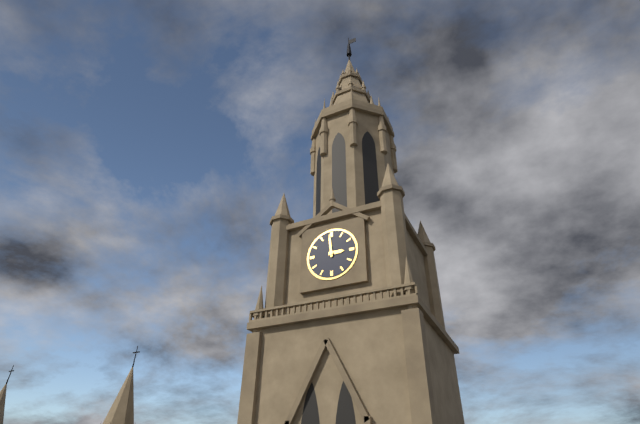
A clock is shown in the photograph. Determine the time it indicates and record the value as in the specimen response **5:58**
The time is **2:59**
